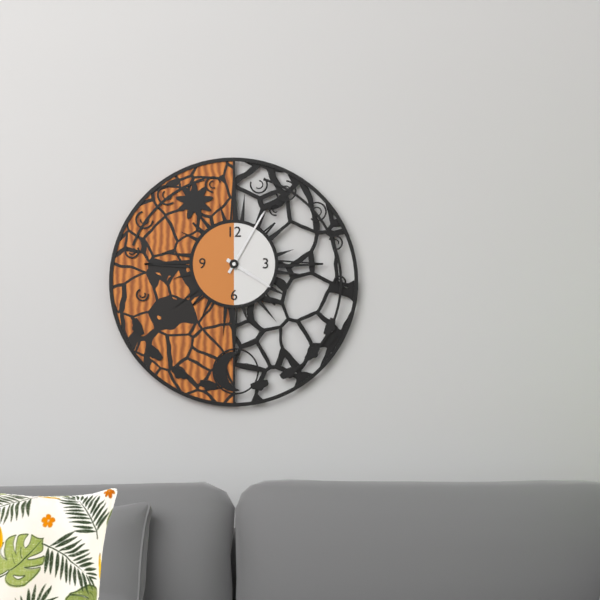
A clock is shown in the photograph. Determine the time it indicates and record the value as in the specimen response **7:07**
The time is **4:05**
